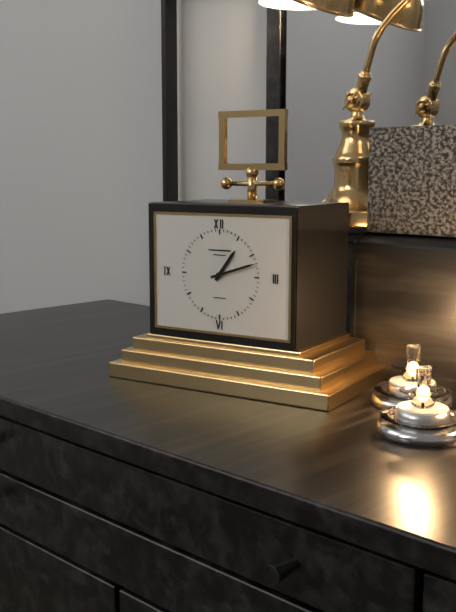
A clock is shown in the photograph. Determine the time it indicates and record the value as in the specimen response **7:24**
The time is **1:12**
